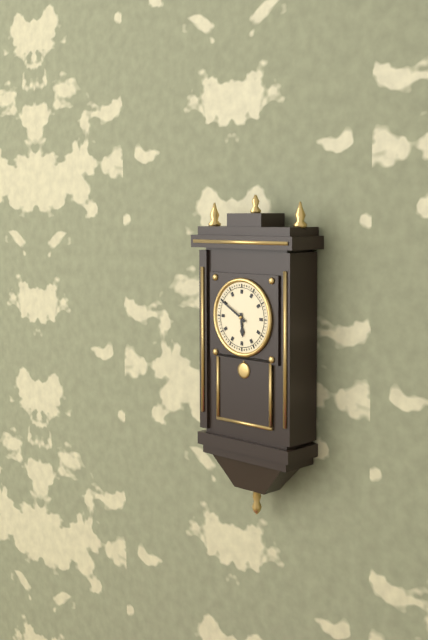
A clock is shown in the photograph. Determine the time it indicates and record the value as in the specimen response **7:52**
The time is **5:50**
